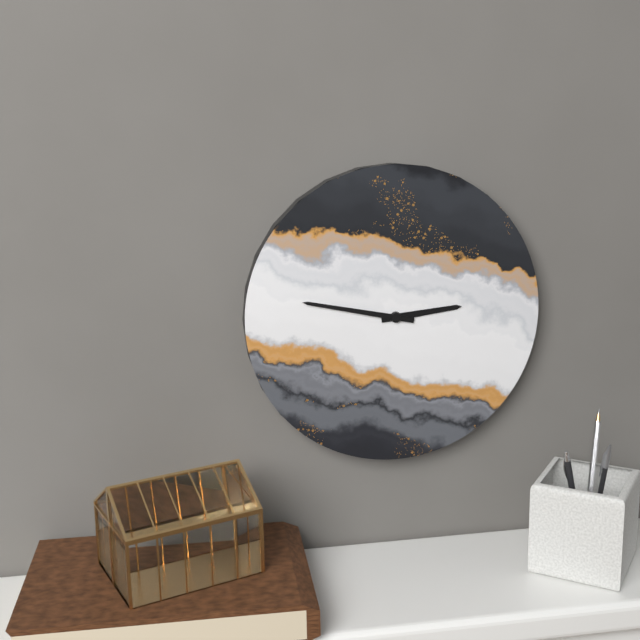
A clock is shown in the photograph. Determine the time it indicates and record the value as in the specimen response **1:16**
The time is **2:47**
